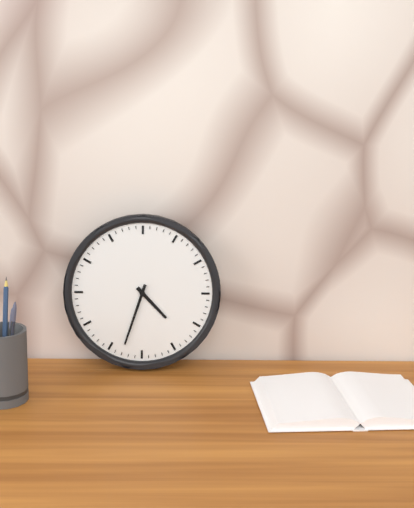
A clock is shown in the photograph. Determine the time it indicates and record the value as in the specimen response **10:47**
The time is **4:33**
